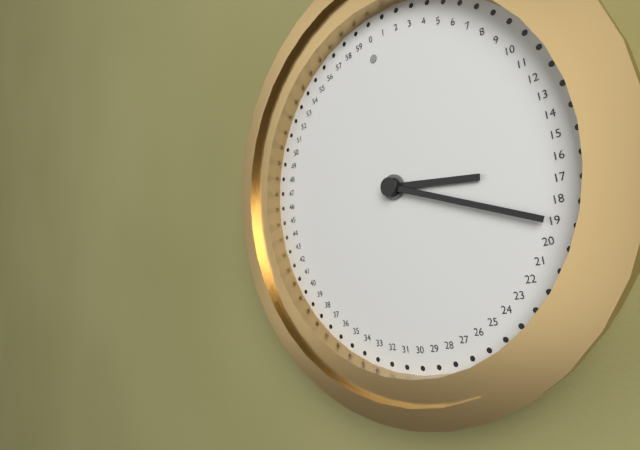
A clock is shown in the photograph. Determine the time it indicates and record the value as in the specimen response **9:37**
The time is **3:19**
